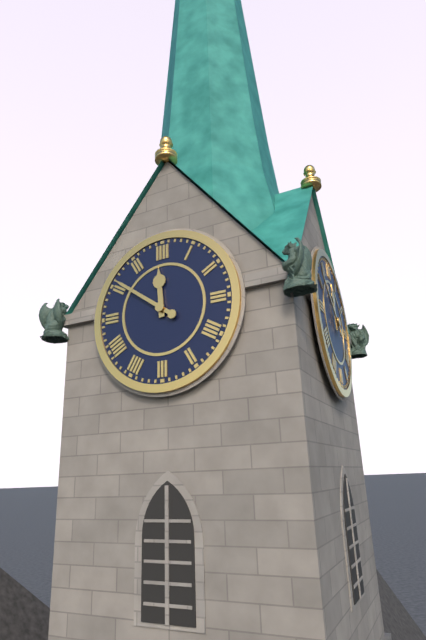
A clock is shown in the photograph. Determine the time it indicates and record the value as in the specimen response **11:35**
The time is **11:51**
